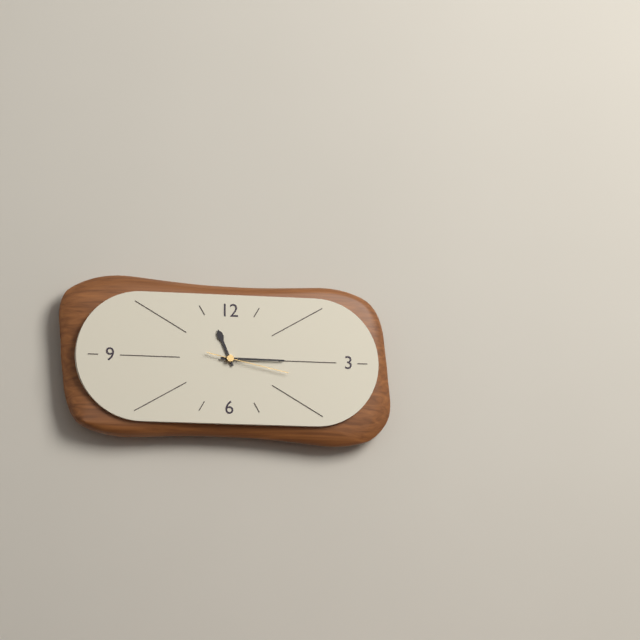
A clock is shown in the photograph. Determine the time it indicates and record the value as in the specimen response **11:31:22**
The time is **11:15:17**
